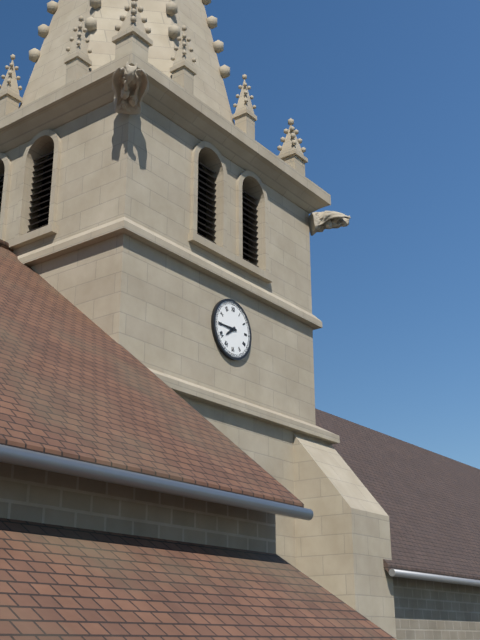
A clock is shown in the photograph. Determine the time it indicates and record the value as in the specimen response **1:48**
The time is **7:45**
